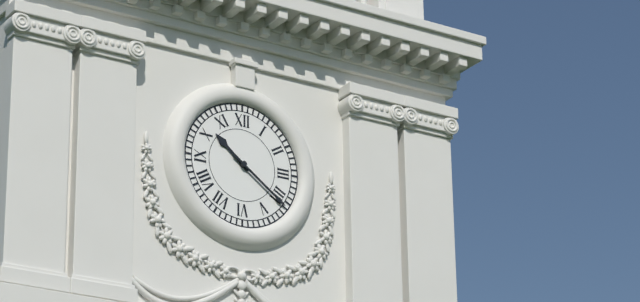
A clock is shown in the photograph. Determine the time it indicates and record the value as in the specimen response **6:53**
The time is **10:21**
